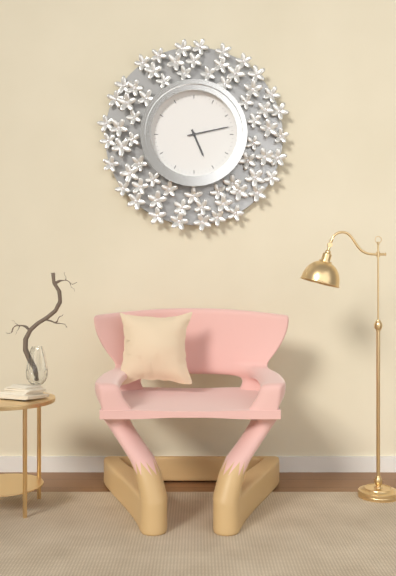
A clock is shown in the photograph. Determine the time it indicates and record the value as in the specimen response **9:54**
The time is **5:13**
